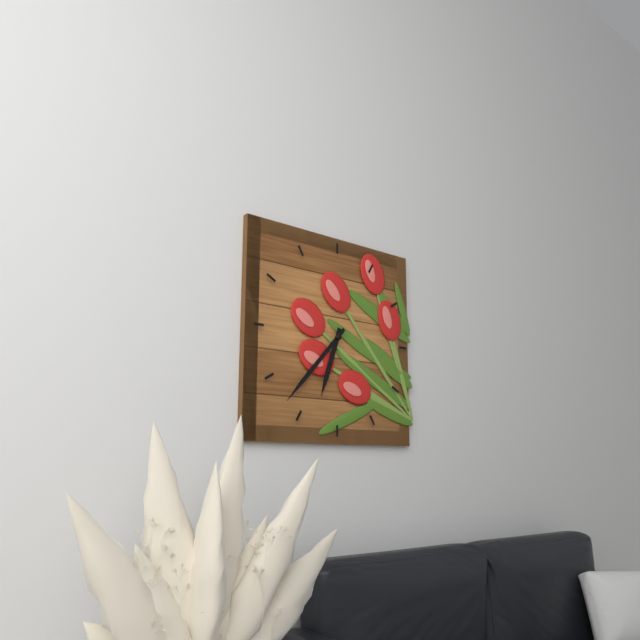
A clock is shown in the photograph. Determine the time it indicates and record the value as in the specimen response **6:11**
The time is **6:37**
